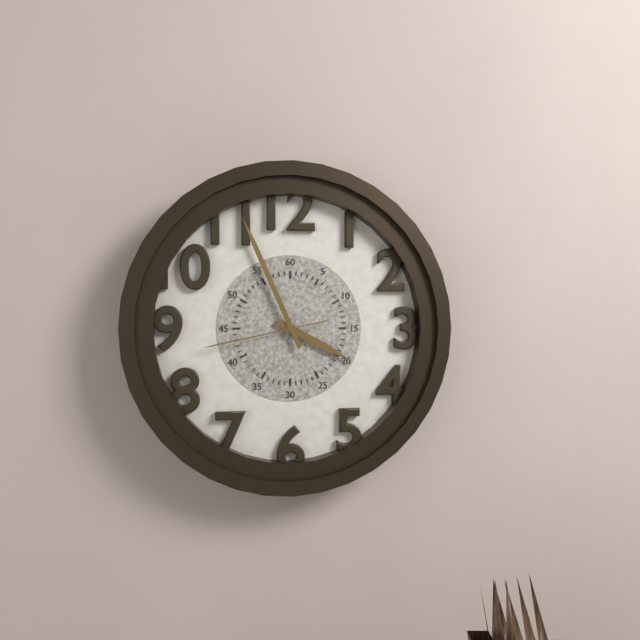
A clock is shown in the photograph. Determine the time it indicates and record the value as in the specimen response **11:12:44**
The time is **3:56:43**
